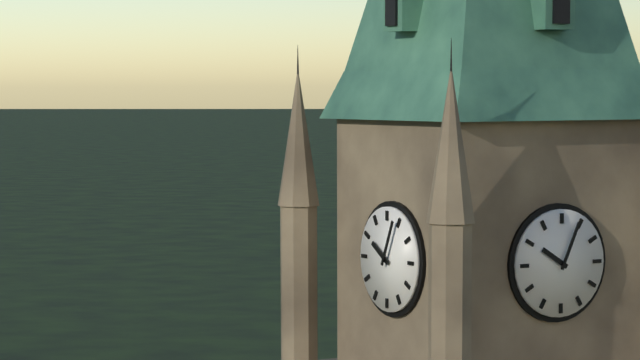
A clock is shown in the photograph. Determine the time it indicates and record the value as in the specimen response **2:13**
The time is **10:04**
